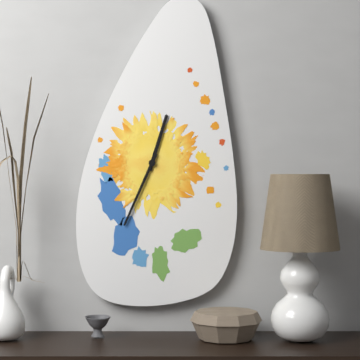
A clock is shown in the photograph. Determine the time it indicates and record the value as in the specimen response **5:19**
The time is **12:34**
